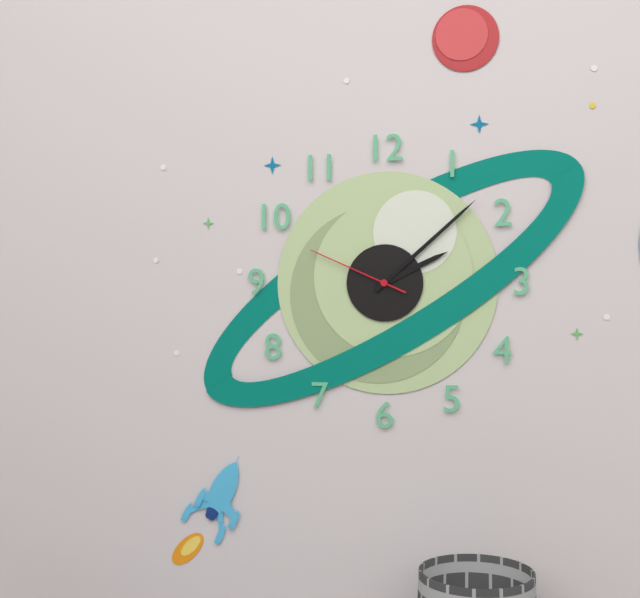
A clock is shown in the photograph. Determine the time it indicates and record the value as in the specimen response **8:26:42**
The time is **2:08:49**
